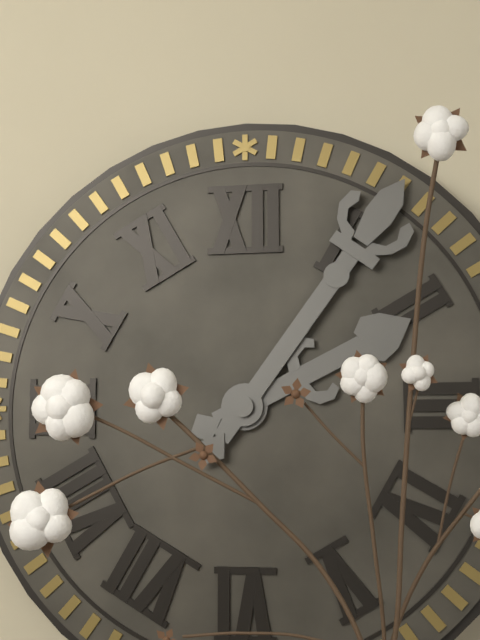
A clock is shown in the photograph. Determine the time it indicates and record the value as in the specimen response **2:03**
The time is **2:06**
